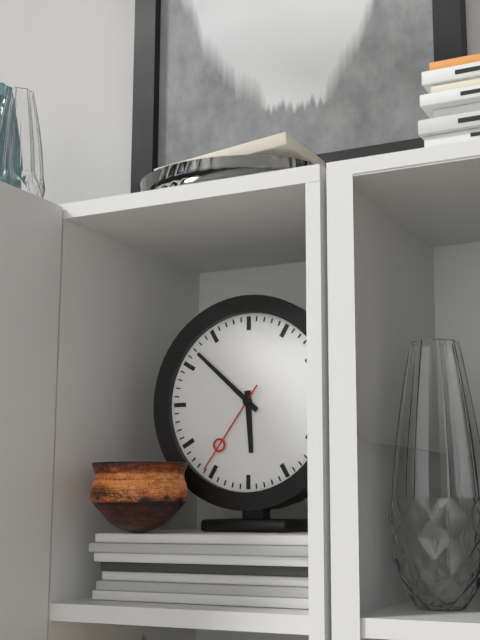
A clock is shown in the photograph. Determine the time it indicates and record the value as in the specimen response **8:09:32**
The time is **5:52:36**
